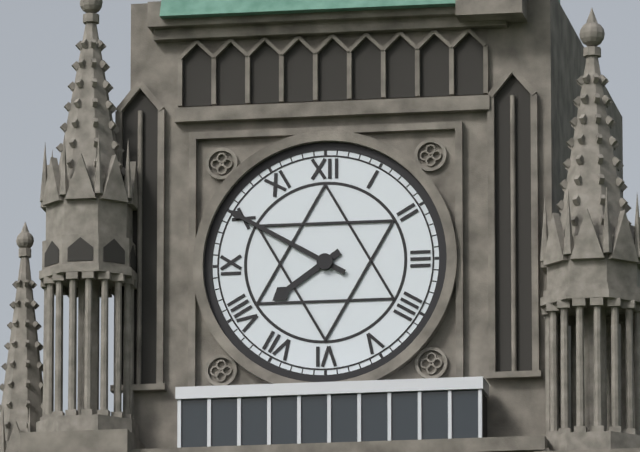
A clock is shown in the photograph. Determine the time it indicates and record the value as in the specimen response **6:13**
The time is **7:50**
